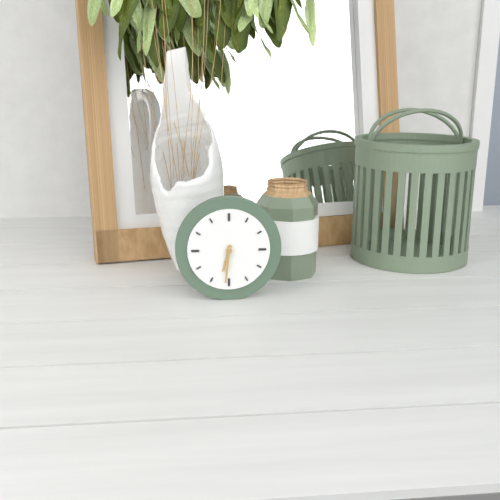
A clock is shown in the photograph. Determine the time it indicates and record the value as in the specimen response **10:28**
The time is **6:31**
